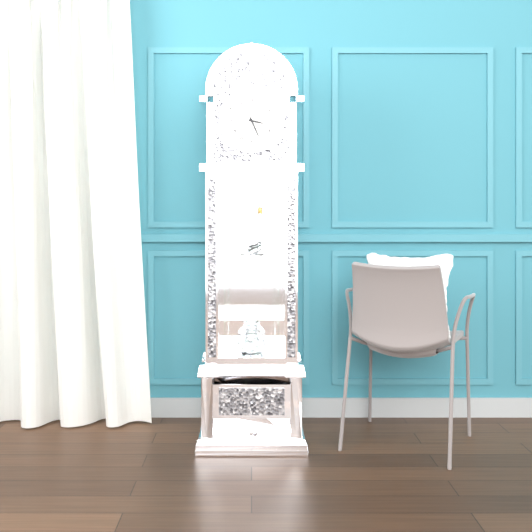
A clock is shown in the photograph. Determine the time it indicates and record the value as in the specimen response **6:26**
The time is **3:26**
